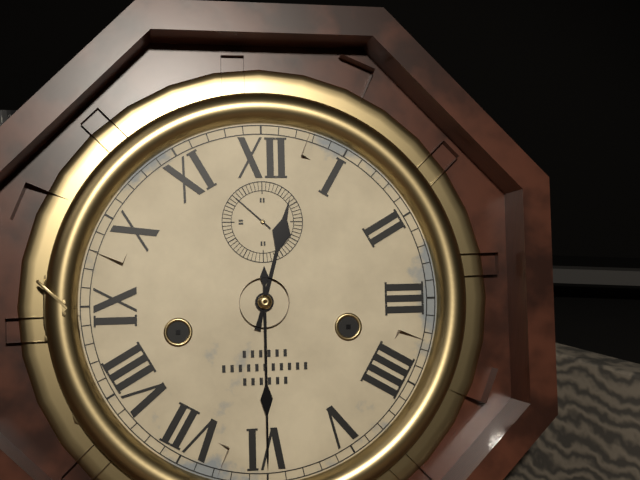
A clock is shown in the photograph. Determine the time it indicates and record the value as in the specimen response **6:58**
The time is **12:30**
